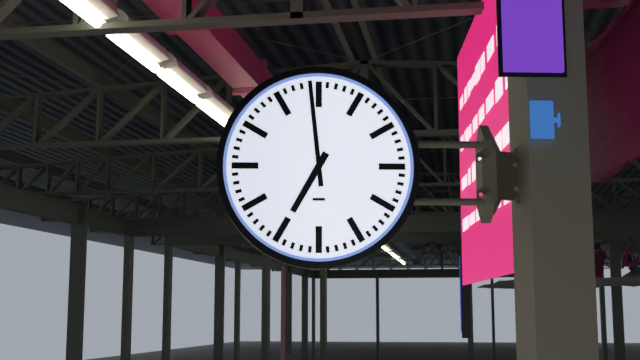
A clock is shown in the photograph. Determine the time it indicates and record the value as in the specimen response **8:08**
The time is **6:59**
